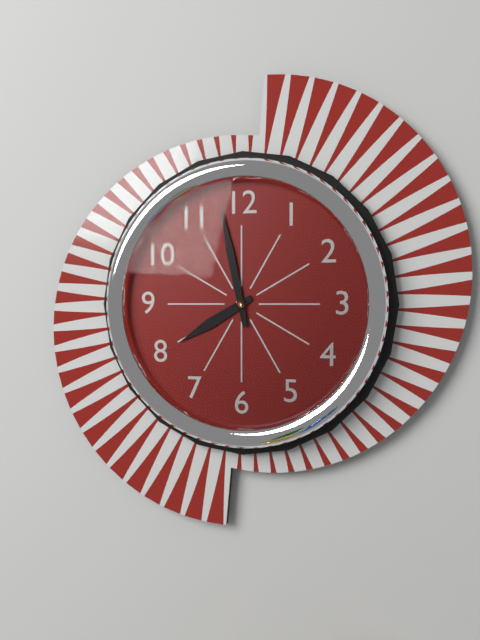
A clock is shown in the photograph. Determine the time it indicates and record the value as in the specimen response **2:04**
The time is **7:58**
